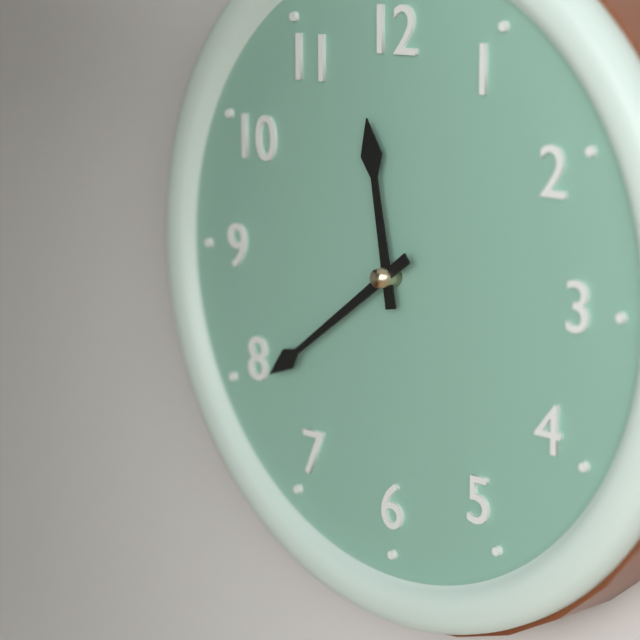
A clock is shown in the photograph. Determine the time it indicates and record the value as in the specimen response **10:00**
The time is **11:39**
